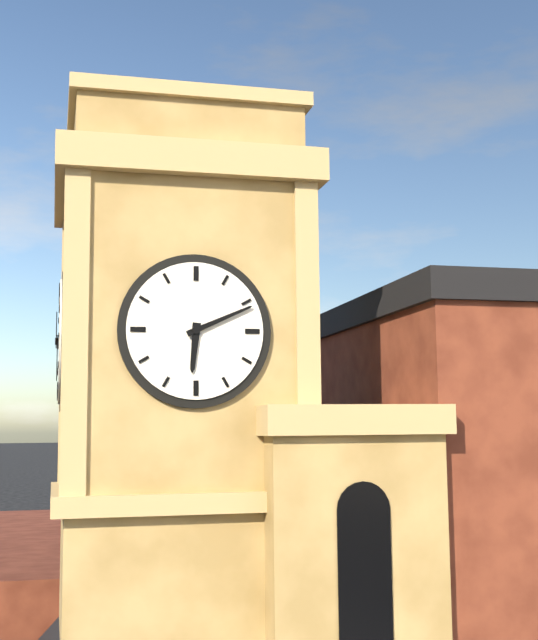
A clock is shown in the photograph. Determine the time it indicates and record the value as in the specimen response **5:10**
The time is **6:11**
